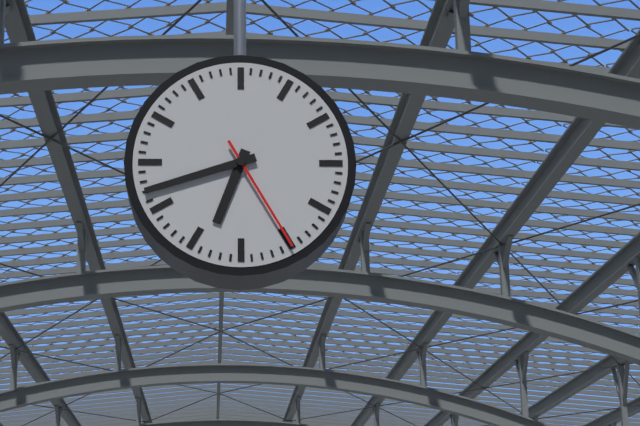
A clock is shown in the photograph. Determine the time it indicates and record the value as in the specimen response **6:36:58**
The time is **6:42:25**
